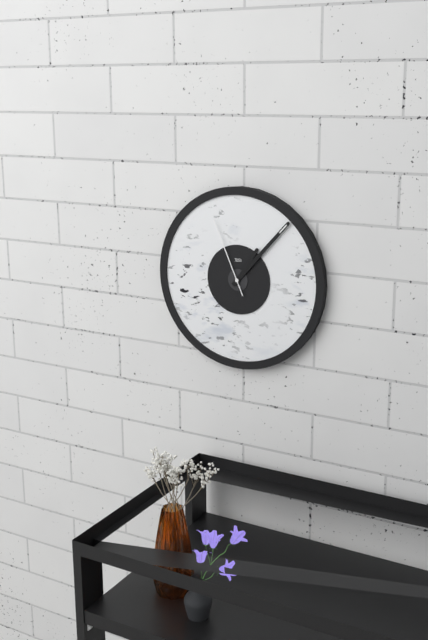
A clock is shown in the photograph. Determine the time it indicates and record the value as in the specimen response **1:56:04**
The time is **1:07:56**
